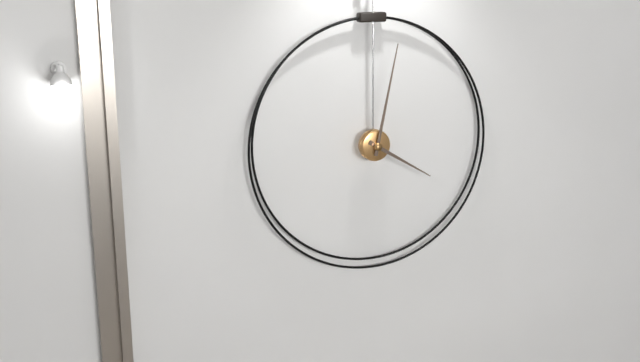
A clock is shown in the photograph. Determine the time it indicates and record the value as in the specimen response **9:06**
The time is **4:02**
